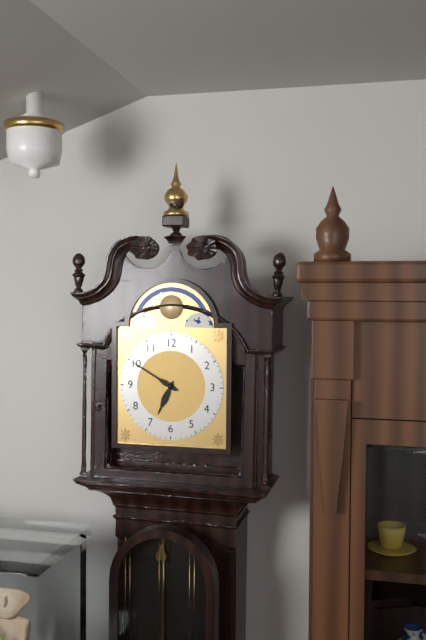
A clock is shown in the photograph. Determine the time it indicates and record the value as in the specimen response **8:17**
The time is **6:50**
